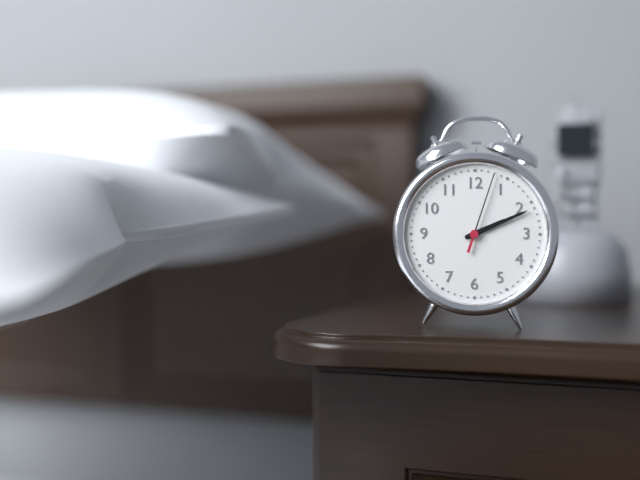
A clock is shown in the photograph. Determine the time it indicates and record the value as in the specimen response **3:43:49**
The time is **2:11:03**
